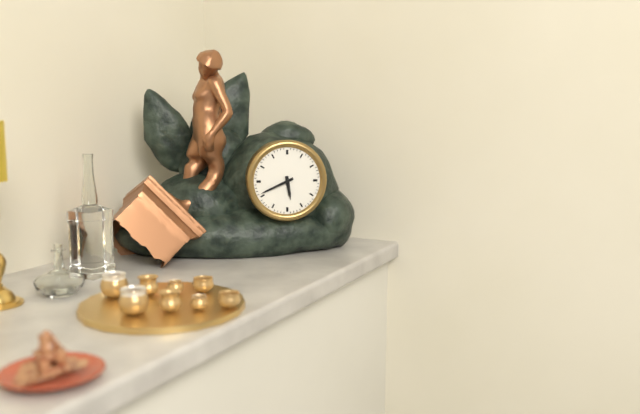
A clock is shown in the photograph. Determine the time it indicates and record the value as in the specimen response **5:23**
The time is **5:41**
